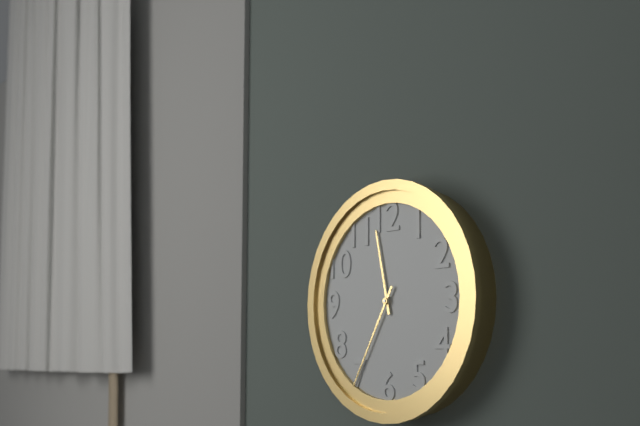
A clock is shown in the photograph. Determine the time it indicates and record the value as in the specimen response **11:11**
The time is **11:35**
